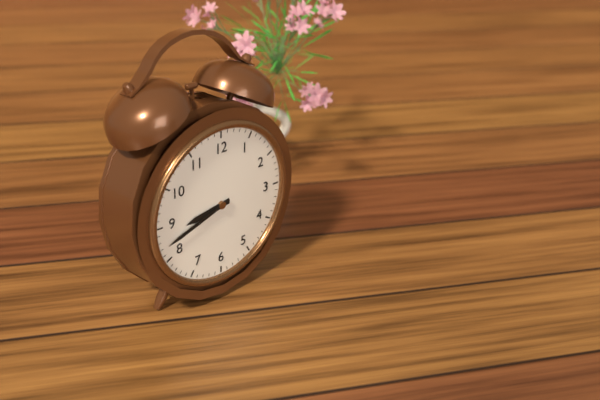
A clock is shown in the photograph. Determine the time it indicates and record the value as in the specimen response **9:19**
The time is **8:42**
